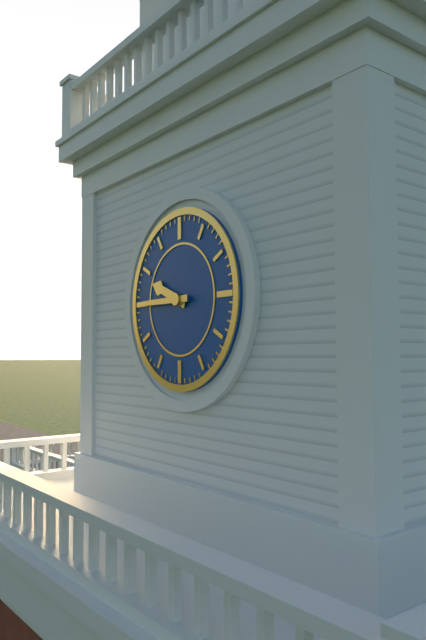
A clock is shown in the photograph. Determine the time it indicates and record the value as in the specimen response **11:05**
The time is **9:45**
